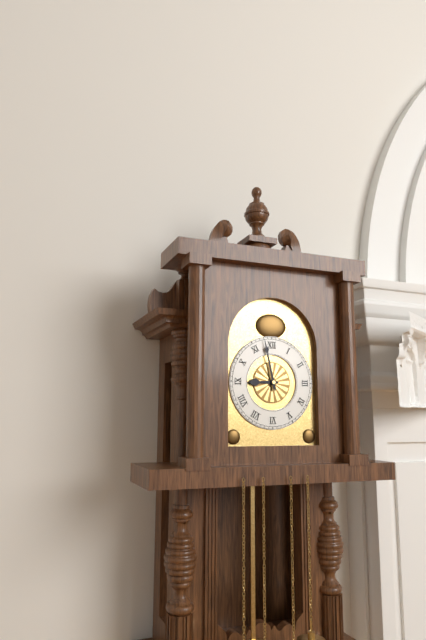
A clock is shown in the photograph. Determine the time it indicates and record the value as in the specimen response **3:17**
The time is **8:58**
